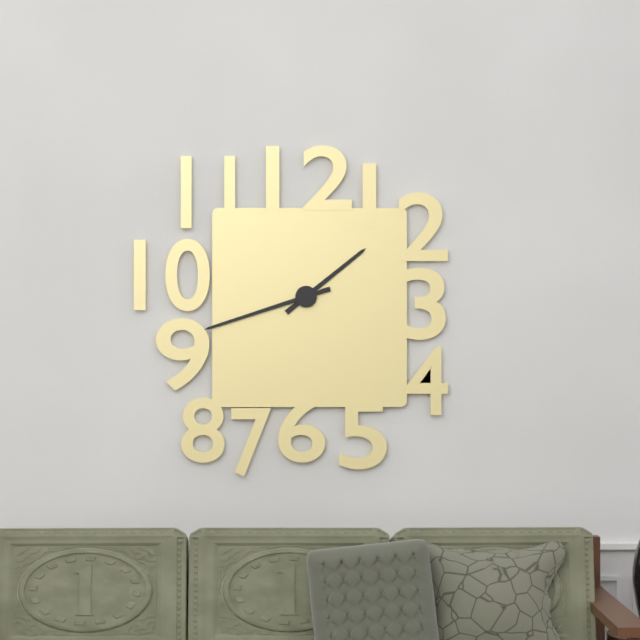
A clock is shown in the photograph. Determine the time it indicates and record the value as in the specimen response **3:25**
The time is **1:42**
